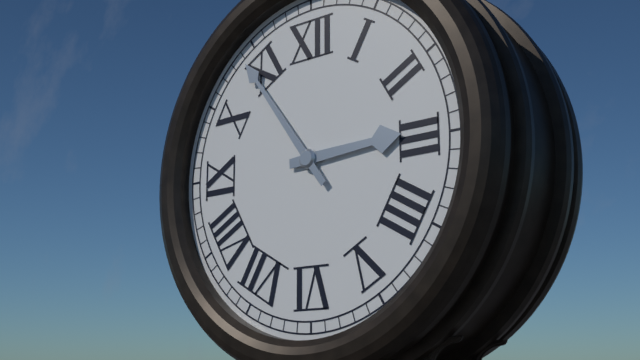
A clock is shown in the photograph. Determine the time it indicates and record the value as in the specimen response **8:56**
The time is **2:54**
